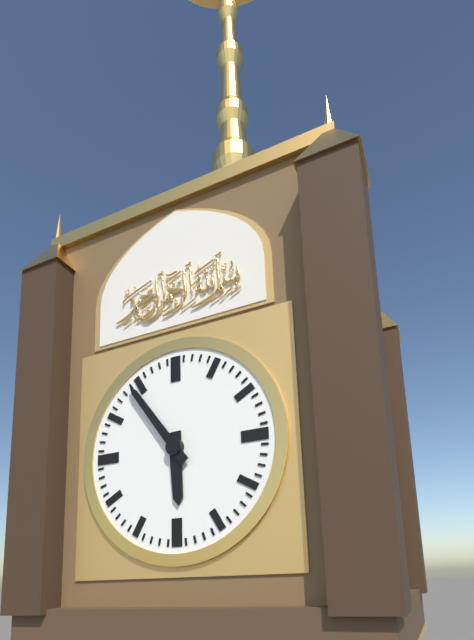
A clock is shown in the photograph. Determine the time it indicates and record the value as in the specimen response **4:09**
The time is **5:54**
